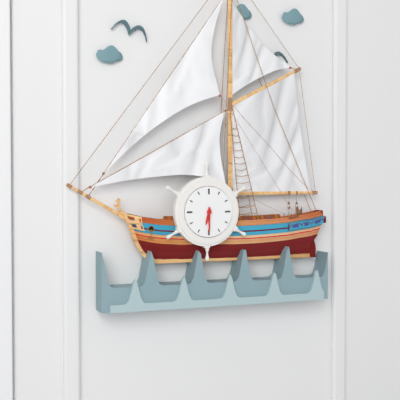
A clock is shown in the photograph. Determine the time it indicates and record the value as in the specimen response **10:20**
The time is **6:30**
